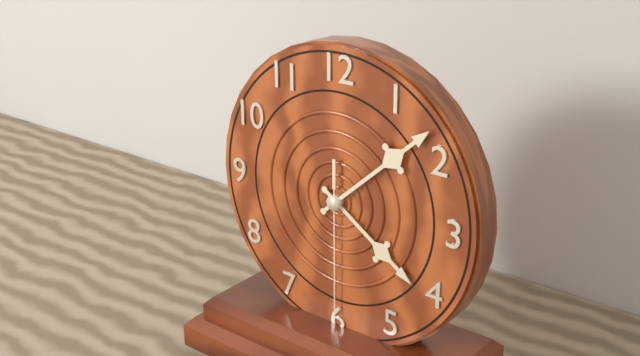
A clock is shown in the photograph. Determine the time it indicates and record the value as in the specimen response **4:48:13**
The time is **4:08:30**
